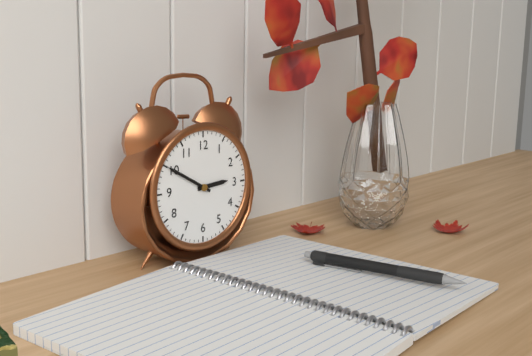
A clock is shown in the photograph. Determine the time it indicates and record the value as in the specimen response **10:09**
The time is **2:50**
